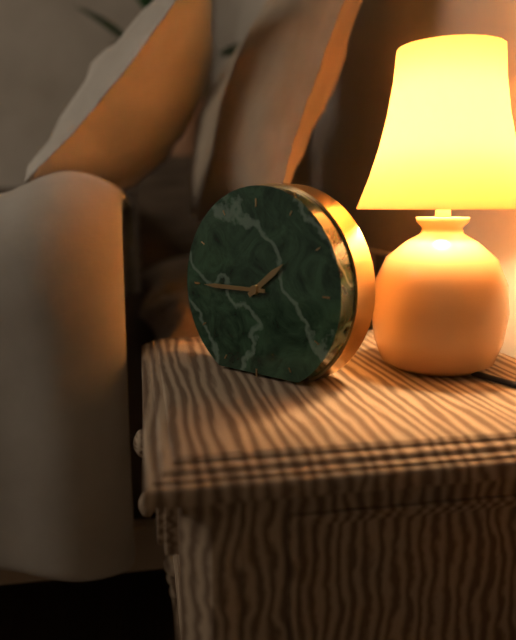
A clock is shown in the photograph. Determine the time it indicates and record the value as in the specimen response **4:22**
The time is **1:45**
